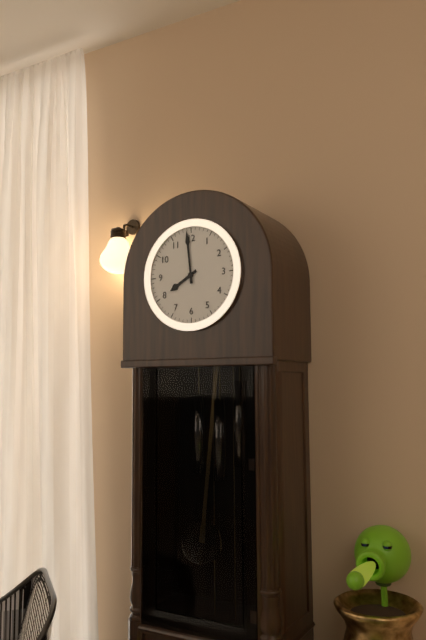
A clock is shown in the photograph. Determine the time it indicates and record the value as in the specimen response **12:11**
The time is **7:59**
